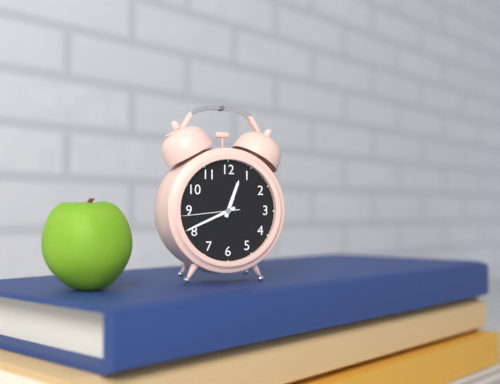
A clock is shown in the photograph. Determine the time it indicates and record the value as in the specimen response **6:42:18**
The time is **12:41:44**
